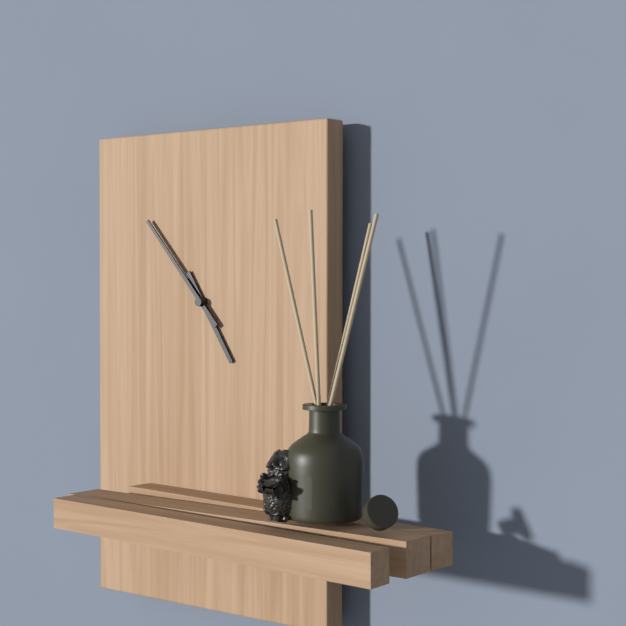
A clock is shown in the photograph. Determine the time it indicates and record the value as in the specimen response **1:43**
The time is **4:53**
